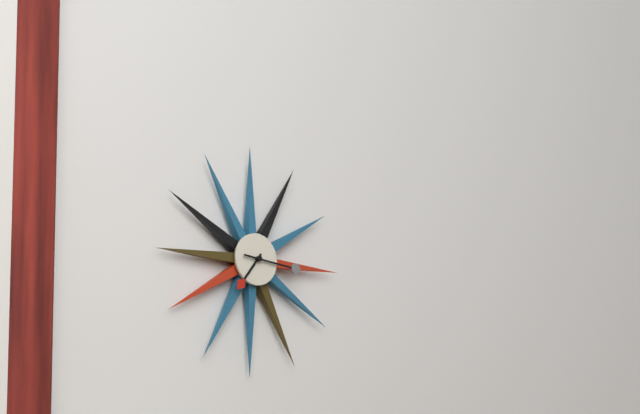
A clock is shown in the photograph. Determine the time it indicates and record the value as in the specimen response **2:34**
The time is **7:16**
